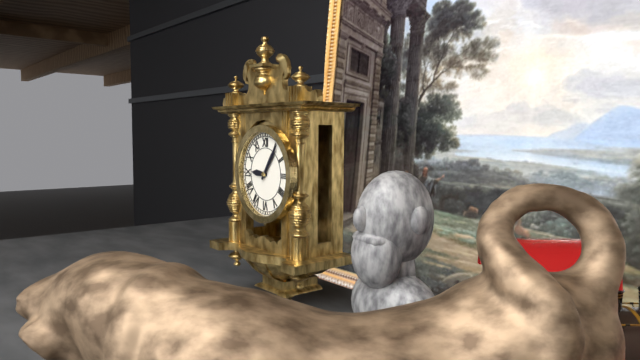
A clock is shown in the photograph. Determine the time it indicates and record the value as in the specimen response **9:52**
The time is **9:06**
